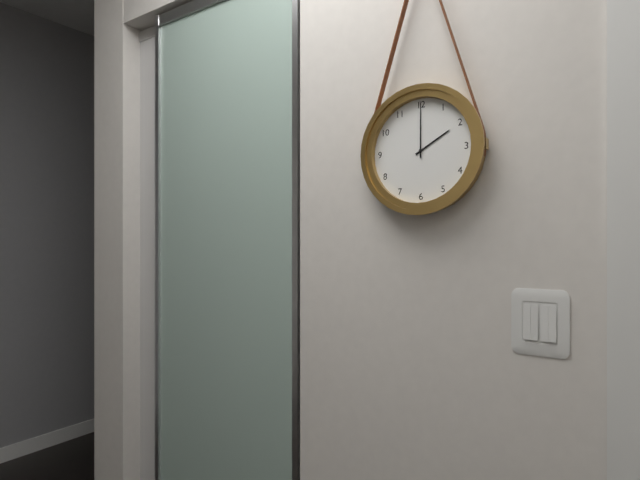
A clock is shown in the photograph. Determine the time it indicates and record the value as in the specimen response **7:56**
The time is **2:00**
